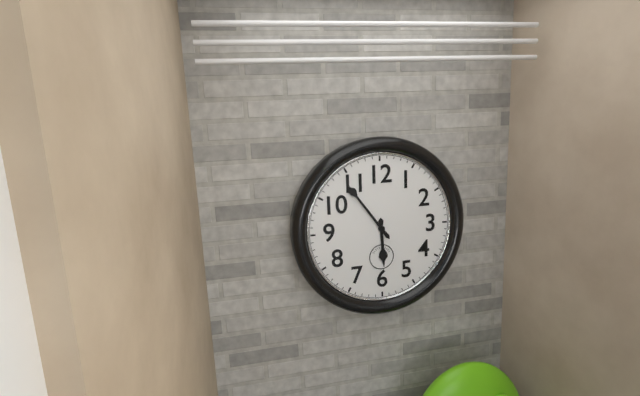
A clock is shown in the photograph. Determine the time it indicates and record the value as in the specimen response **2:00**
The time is **5:54**
